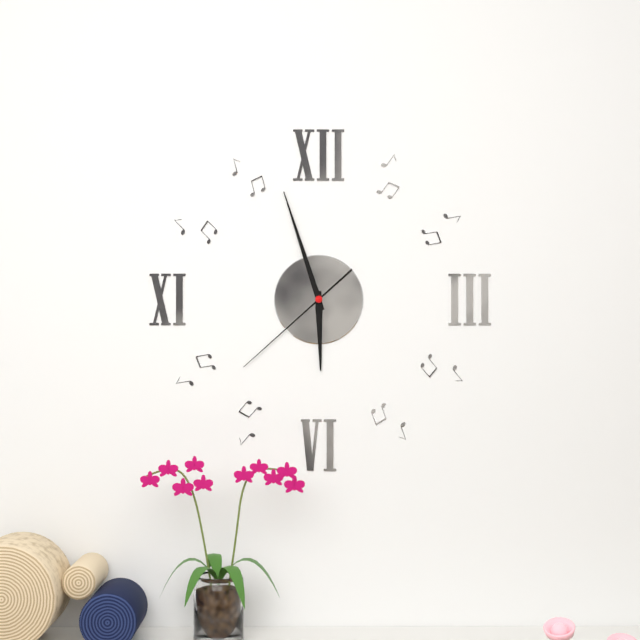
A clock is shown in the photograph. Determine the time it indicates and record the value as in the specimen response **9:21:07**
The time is **5:57:38**
